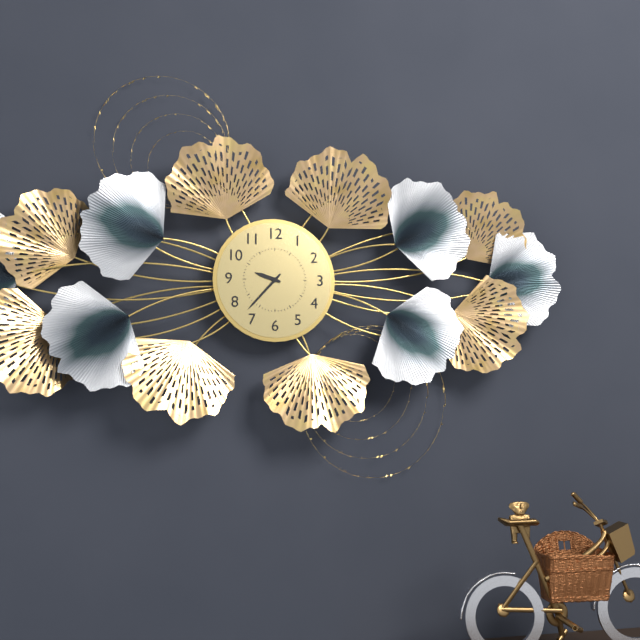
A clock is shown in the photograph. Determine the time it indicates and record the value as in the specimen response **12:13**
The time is **9:37**
